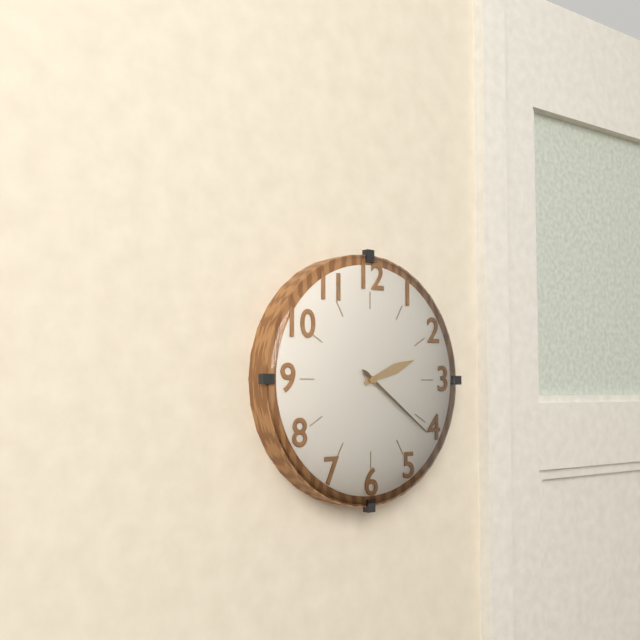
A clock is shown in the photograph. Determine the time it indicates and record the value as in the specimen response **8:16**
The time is **2:21**
